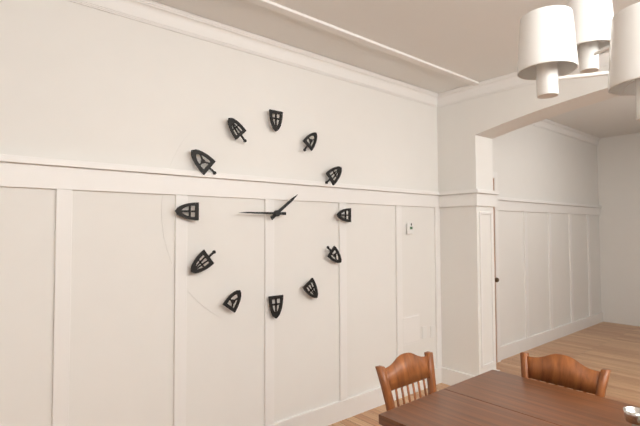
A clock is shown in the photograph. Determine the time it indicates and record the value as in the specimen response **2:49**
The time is **1:45**
